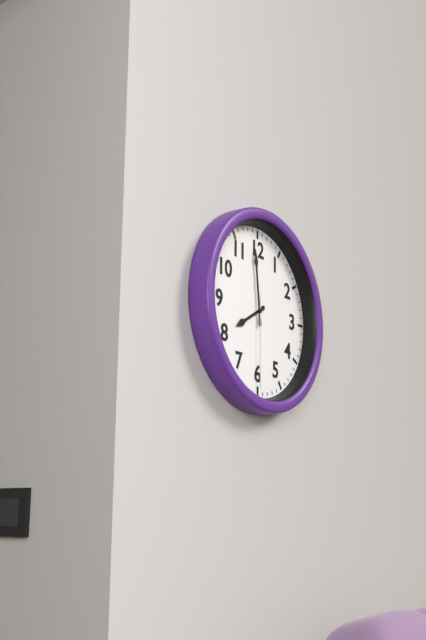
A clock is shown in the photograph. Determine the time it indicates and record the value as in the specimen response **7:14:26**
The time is **7:59:30**
